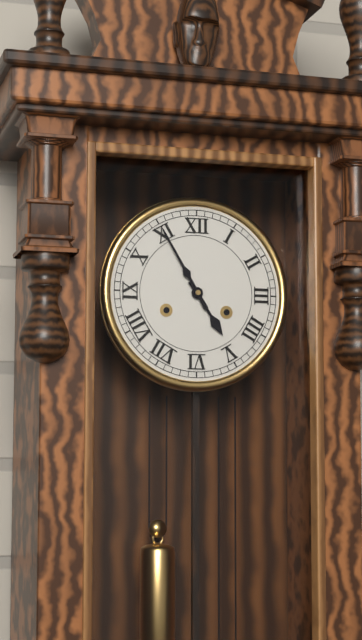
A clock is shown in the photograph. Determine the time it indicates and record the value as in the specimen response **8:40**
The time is **4:55**
